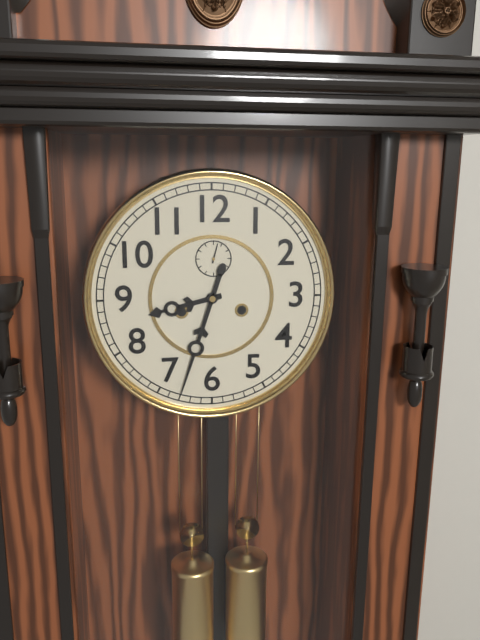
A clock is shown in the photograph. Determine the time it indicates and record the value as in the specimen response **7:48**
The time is **8:33**
